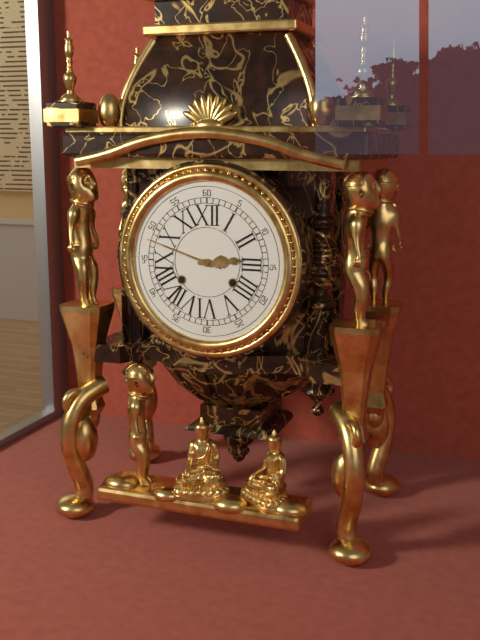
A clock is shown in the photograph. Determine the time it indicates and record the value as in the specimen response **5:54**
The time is **2:48**
